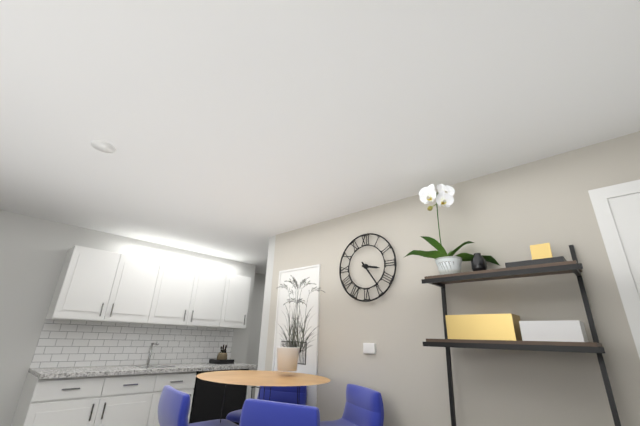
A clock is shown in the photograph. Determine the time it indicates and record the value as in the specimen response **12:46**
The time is **3:24**
